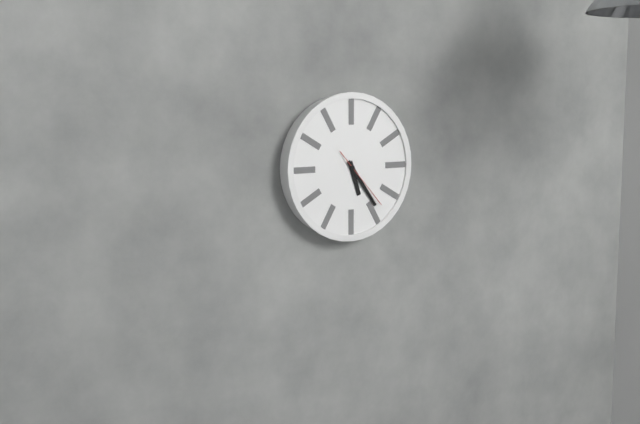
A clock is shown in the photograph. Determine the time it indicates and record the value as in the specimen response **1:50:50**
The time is **5:24:23**
